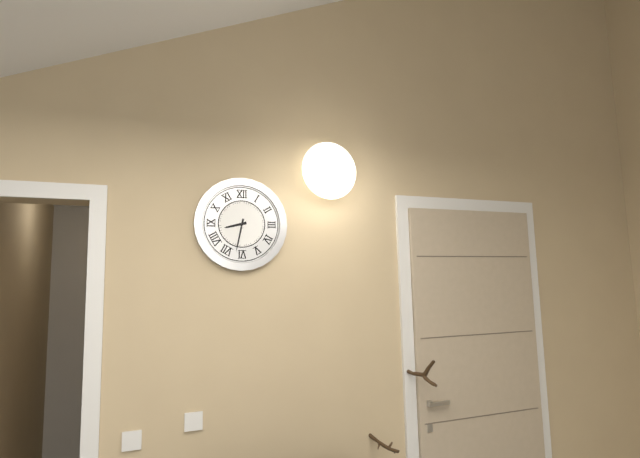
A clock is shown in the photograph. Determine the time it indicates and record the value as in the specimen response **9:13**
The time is **8:32**
